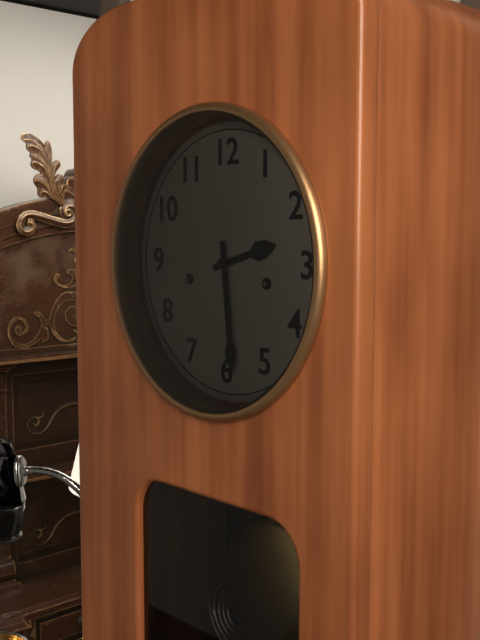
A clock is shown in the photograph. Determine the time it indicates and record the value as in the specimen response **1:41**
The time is **2:29**
